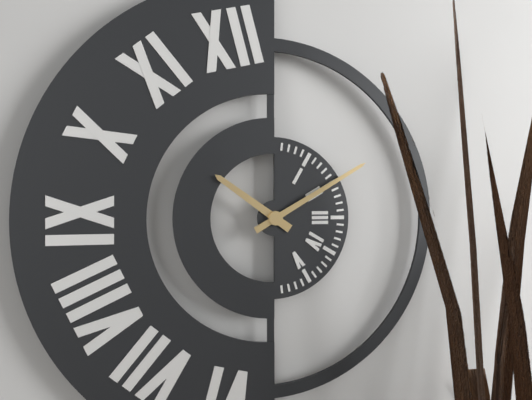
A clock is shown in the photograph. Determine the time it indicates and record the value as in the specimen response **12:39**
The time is **10:10**
